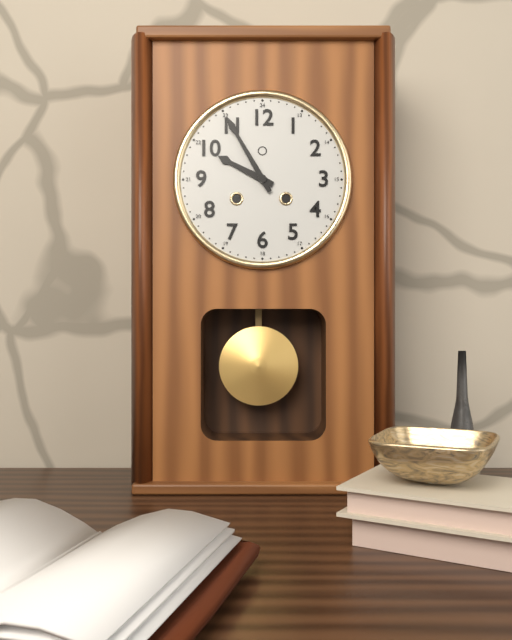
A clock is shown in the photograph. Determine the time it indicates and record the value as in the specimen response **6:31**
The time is **9:55**
